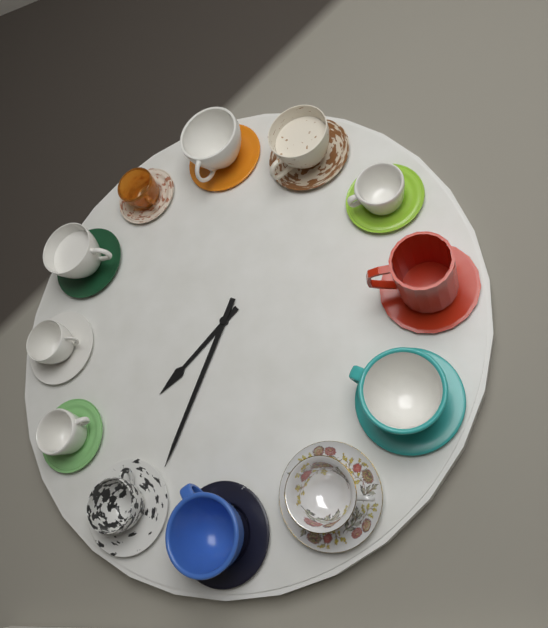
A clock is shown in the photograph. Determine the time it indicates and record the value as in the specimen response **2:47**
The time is **7:34**
